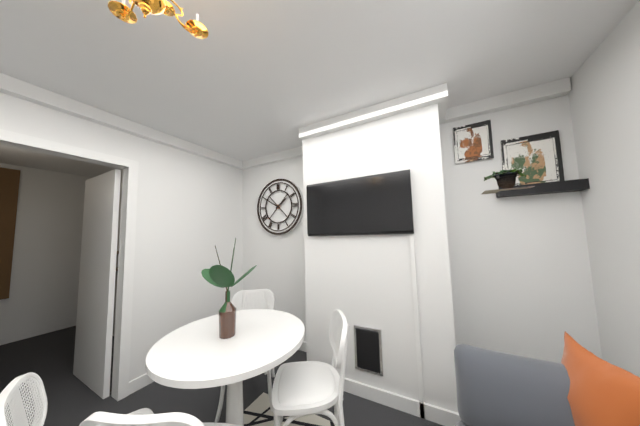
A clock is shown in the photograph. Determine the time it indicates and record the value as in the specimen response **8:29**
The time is **1:50**
